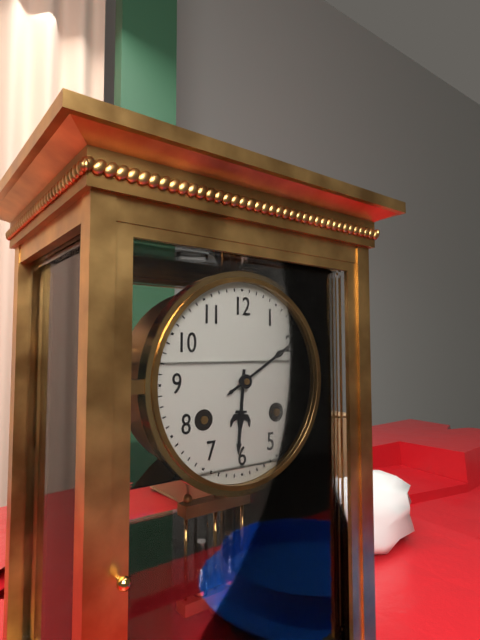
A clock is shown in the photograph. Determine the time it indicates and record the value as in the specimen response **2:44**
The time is **6:10**
